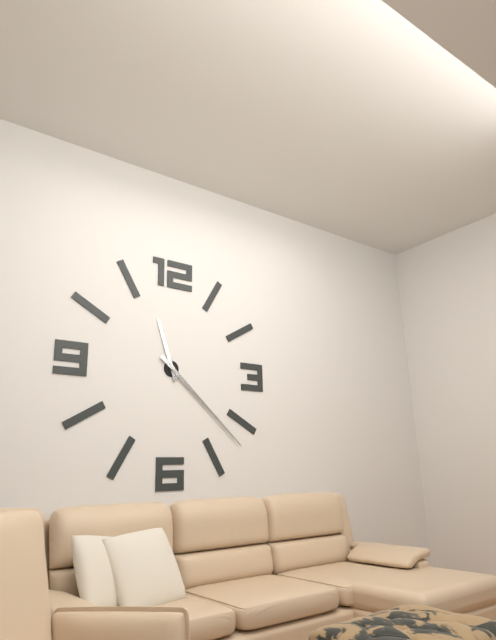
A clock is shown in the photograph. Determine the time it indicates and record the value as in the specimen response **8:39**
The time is **11:22**
